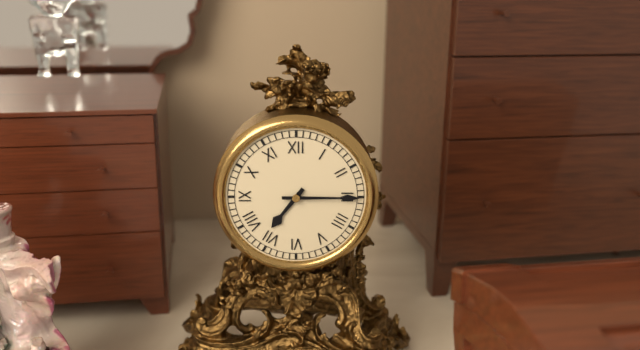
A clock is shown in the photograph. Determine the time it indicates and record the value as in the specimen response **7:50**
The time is **7:15**
